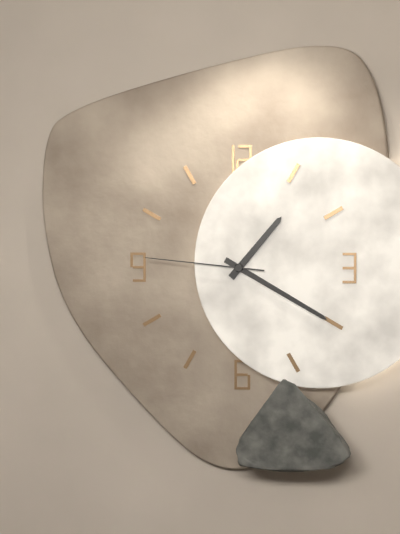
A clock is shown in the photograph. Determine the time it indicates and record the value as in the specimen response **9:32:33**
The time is **1:20:46**
